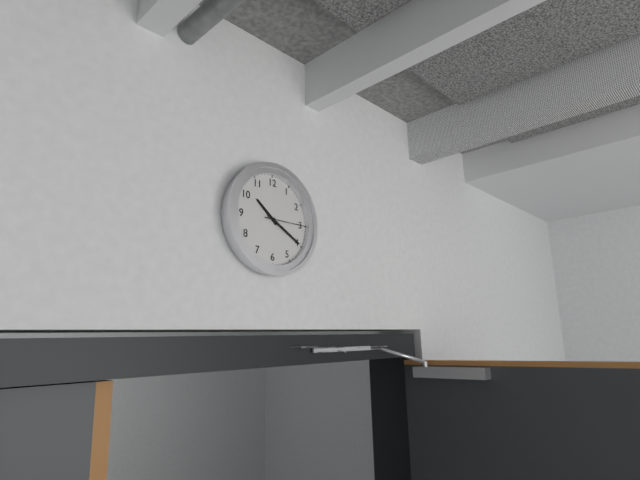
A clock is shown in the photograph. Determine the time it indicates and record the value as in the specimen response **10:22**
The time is **10:20**
